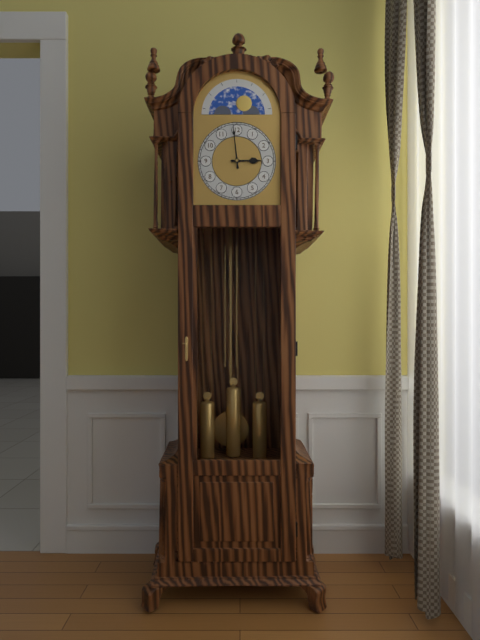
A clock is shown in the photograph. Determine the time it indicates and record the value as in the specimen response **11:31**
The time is **2:59**
